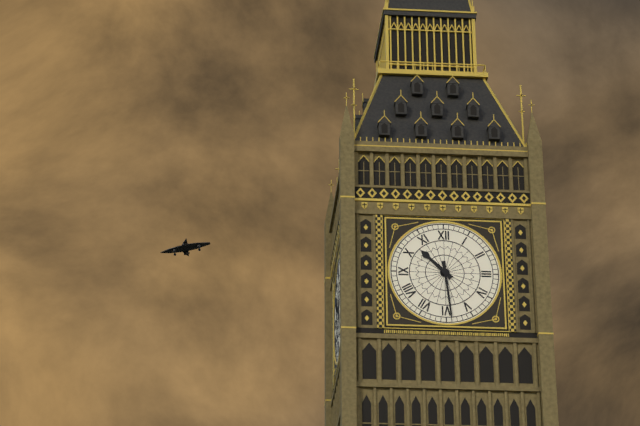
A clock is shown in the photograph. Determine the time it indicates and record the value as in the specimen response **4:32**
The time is **10:29**
